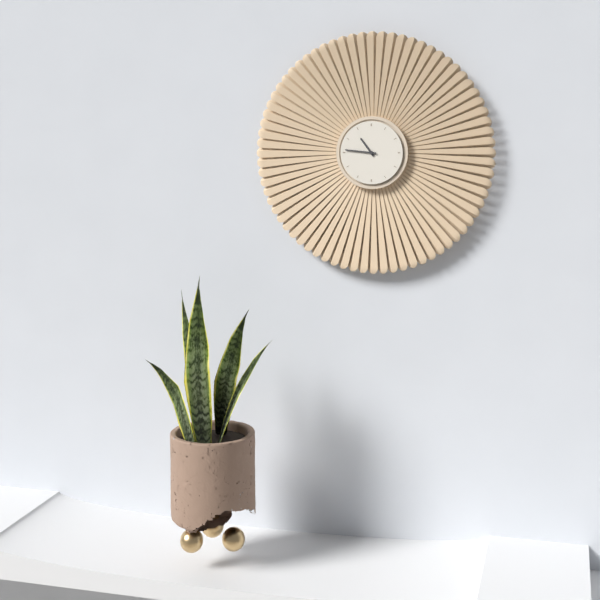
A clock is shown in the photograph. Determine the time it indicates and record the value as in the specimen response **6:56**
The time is **10:46**
